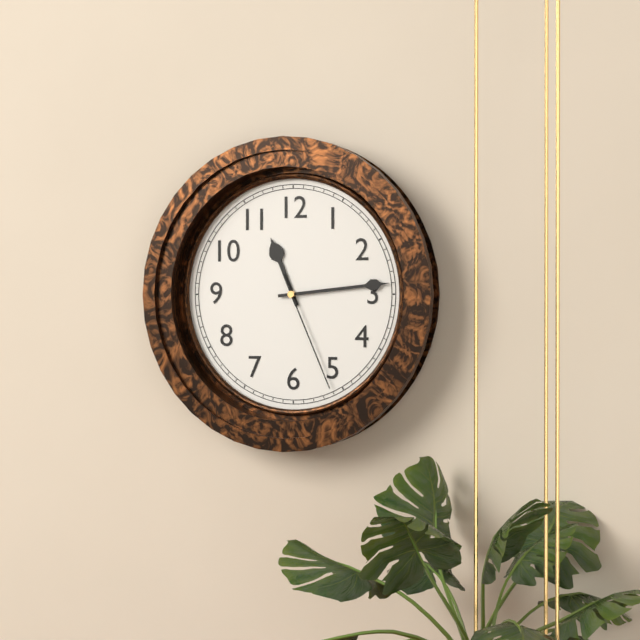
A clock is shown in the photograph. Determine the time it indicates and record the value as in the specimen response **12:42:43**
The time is **11:14:26**
